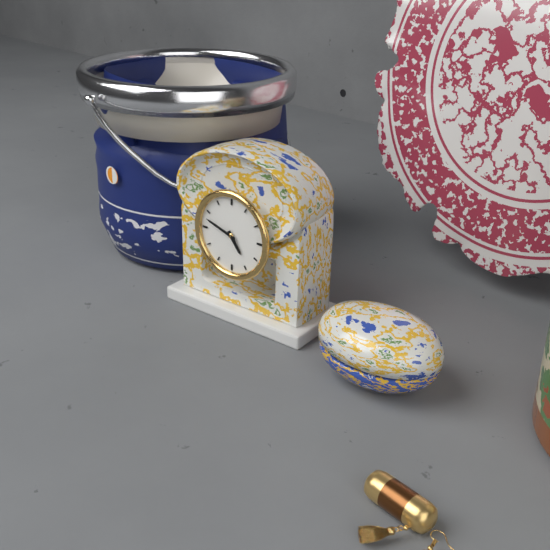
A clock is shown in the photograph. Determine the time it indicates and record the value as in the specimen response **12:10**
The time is **4:48**
